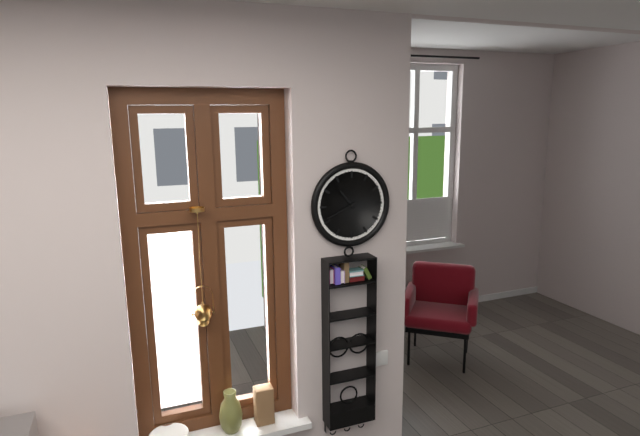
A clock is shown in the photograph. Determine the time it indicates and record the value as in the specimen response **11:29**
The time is **10:41**
